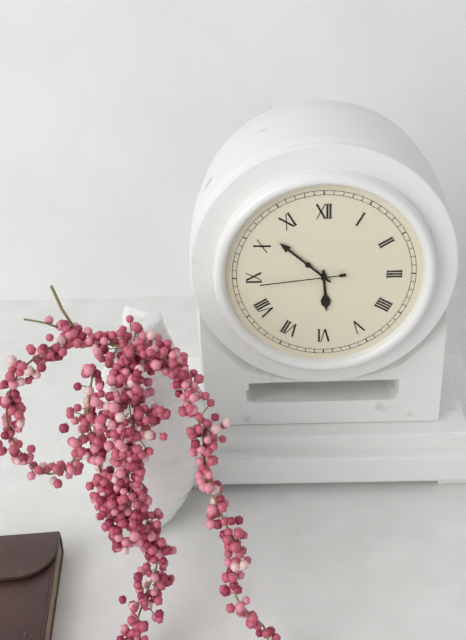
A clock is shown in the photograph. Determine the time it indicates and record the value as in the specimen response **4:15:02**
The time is **5:52:44**
